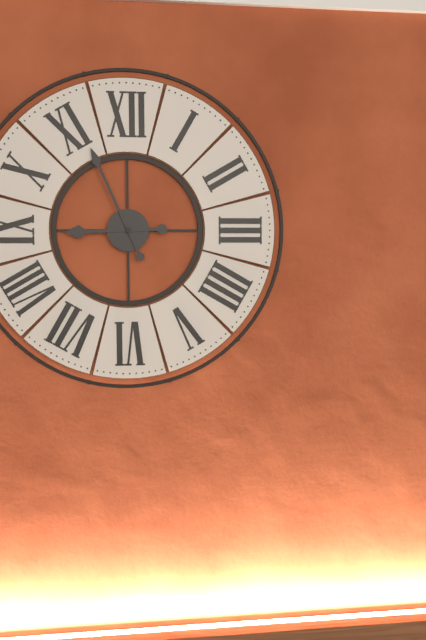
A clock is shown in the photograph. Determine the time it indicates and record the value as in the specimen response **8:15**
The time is **8:56**
